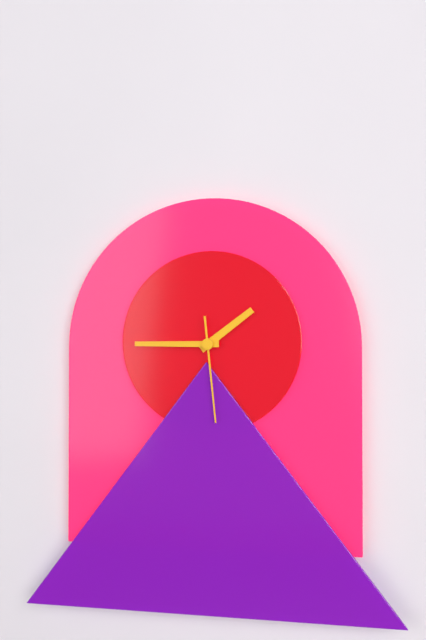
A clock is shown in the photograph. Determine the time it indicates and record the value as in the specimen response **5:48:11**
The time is **1:45:29**
